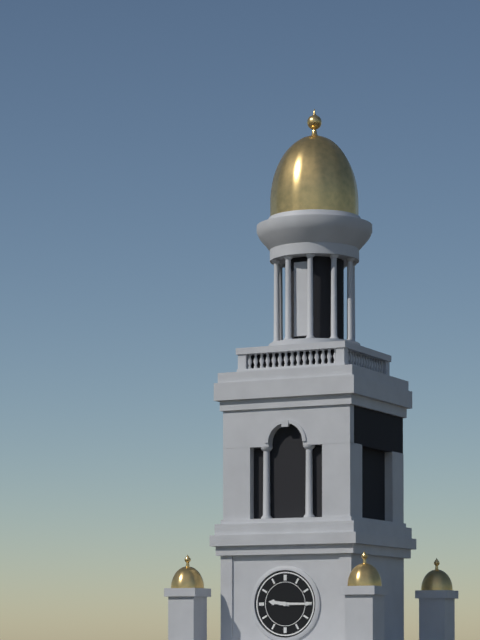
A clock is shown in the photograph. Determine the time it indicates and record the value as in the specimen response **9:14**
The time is **9:15**
